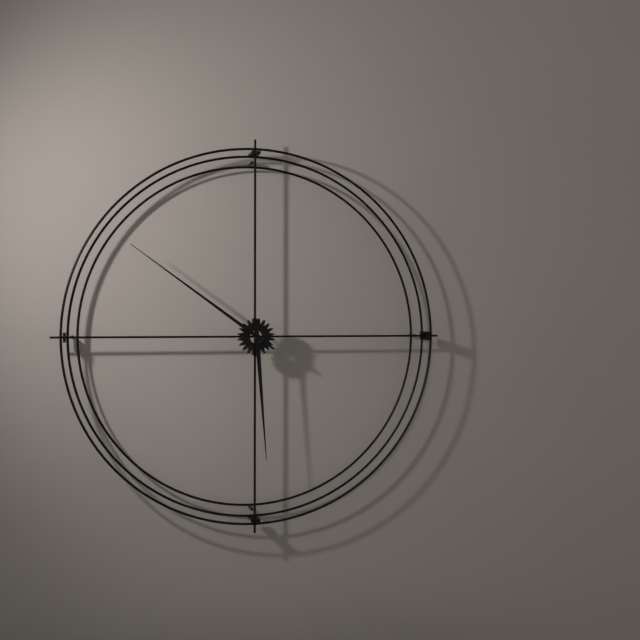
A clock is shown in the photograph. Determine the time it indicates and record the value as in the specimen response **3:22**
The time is **5:51**
